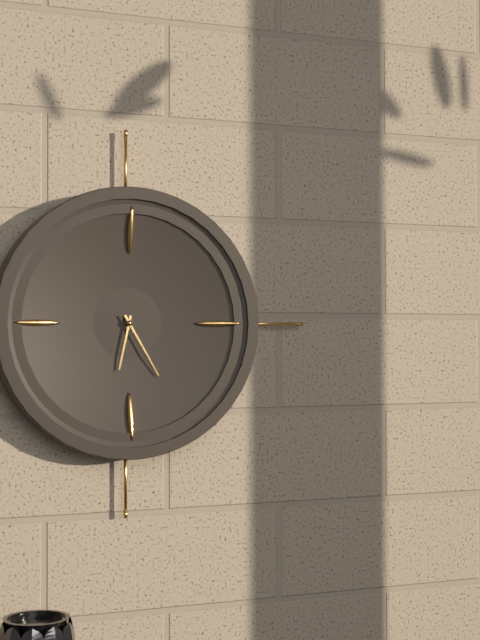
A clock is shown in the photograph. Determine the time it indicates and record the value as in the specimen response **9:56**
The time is **6:25**
